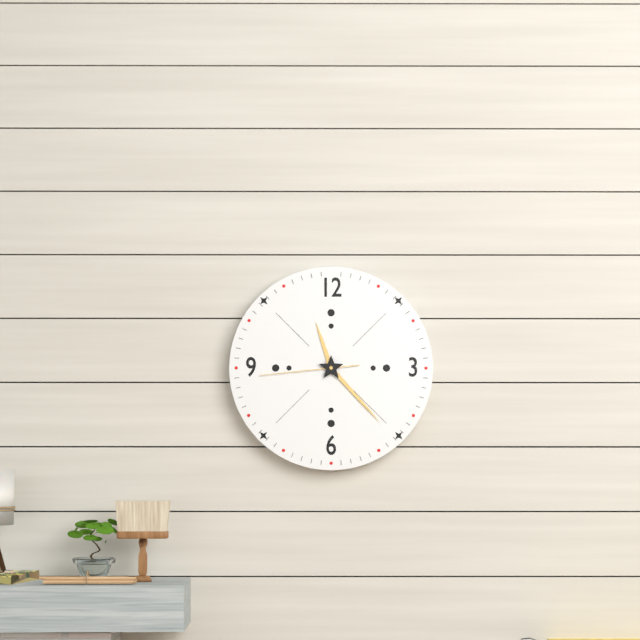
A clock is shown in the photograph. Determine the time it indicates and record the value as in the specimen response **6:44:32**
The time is **11:23:44**
